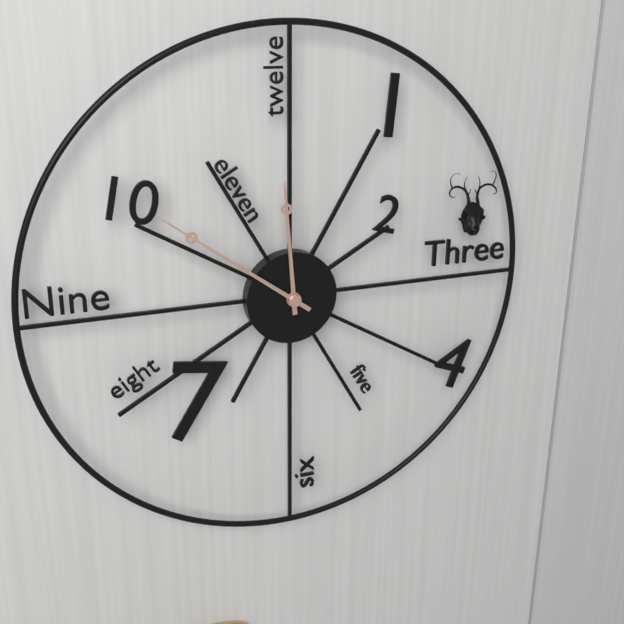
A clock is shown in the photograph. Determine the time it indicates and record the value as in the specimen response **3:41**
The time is **11:51**
